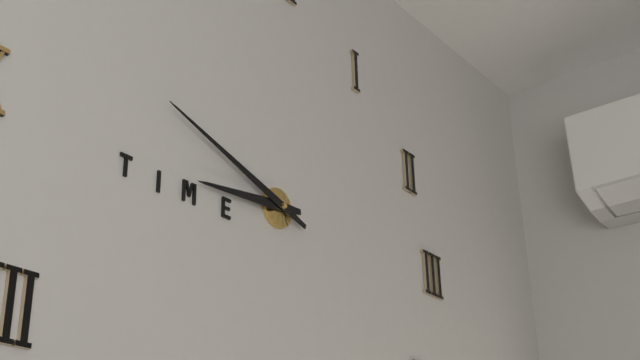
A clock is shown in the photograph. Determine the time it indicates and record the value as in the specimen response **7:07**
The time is **8:48**
